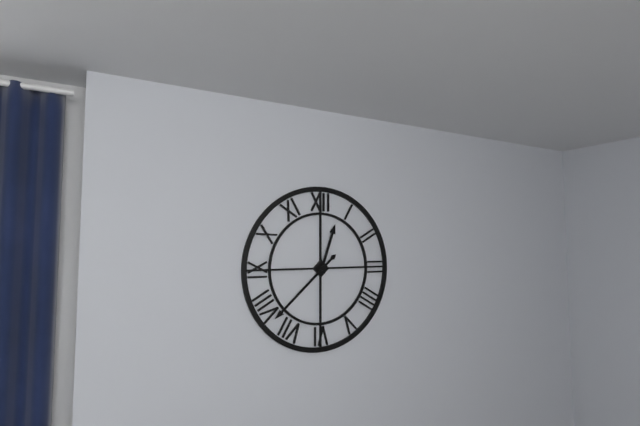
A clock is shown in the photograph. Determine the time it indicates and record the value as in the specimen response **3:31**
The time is **12:38**
